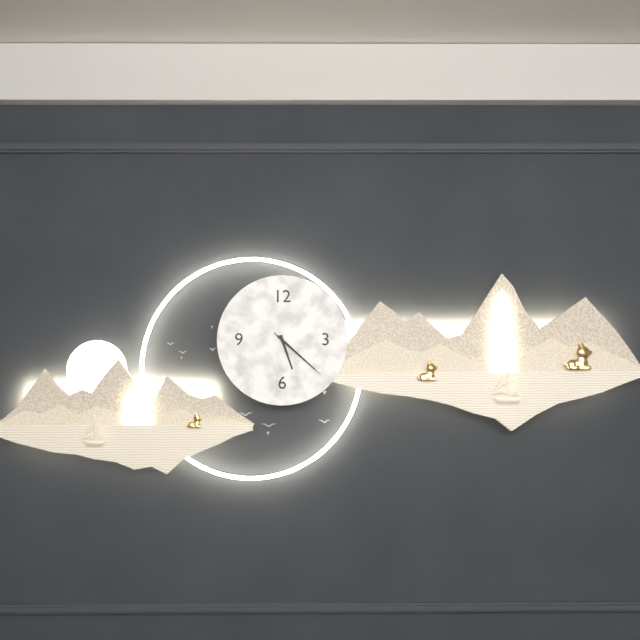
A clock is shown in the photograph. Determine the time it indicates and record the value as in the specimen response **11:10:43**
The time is **5:22:22**
